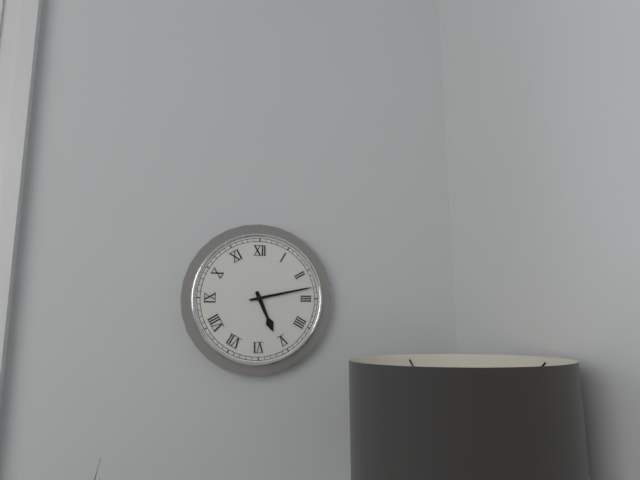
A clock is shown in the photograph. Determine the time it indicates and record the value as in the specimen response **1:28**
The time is **5:13**
